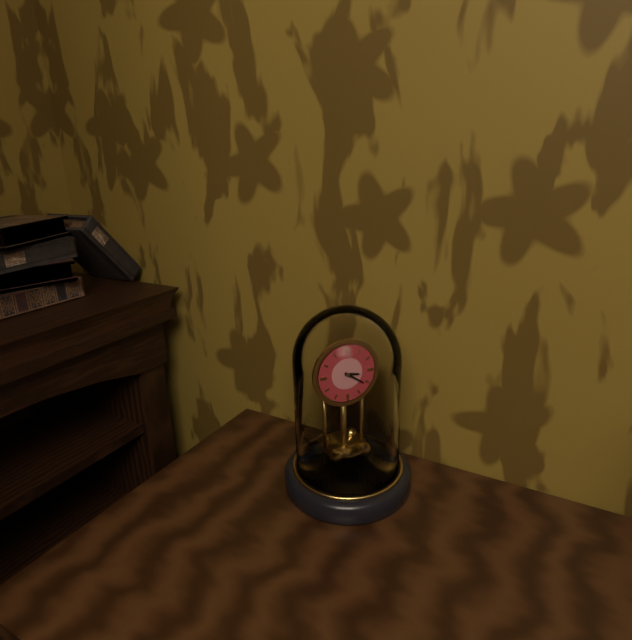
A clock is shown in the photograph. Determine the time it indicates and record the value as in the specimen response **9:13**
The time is **3:21**
